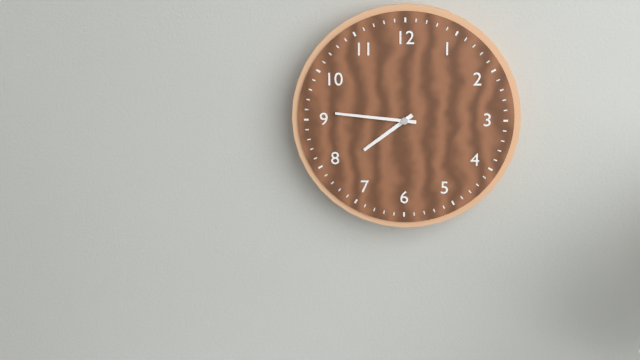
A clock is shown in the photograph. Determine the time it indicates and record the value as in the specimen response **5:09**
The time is **7:46**
